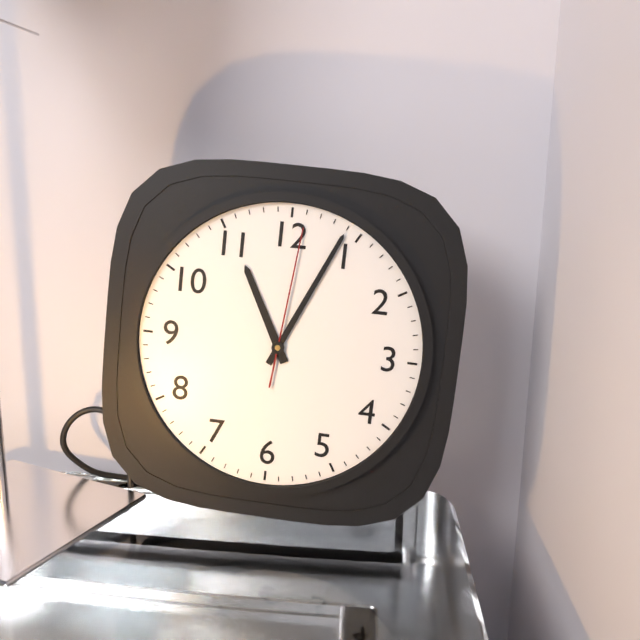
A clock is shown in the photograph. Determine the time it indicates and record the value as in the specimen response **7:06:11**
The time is **11:04:01**
